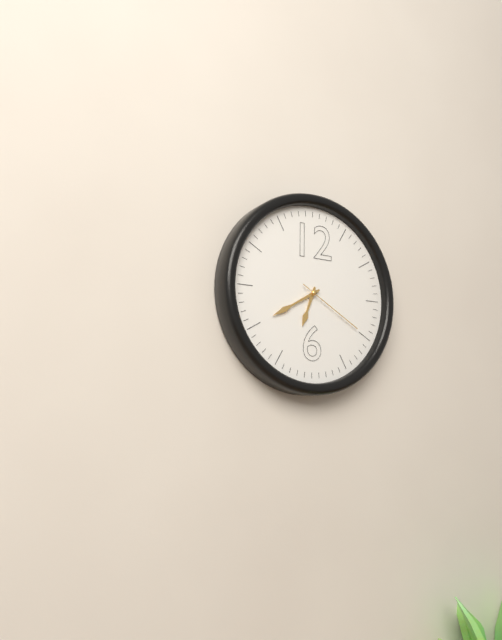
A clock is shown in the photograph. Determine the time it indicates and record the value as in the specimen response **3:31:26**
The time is **6:40:20**
